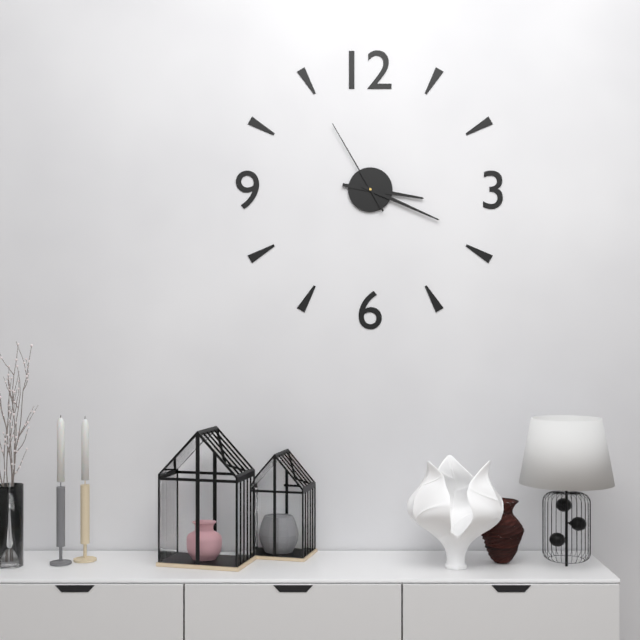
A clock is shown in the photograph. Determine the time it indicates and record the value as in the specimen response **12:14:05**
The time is **3:19:55**
